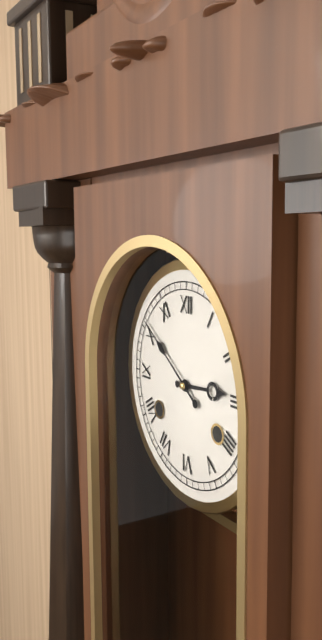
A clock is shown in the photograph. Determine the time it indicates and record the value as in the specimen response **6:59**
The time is **2:51**
